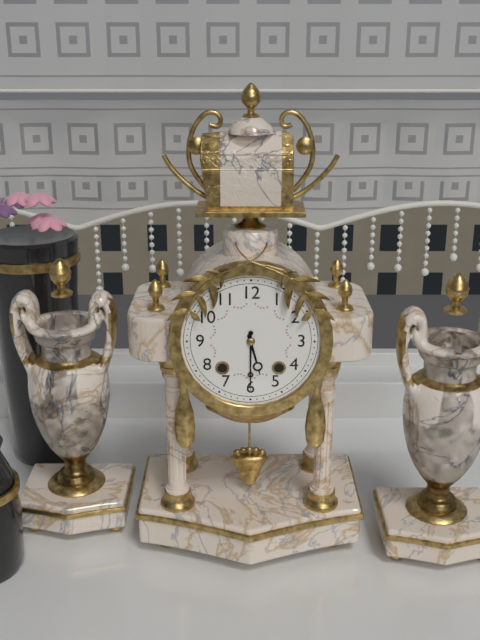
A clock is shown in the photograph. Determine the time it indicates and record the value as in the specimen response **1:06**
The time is **5:30**
